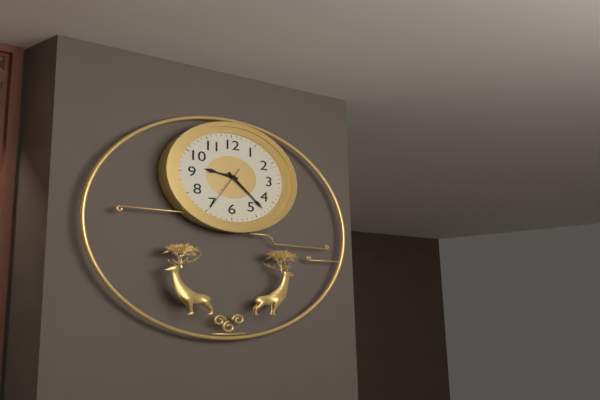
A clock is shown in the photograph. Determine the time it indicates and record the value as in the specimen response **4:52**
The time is **9:23**
